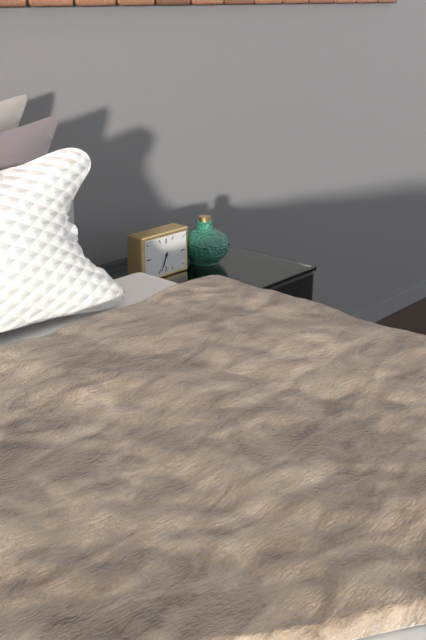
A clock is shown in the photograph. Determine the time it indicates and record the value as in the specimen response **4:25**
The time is **6:34**
